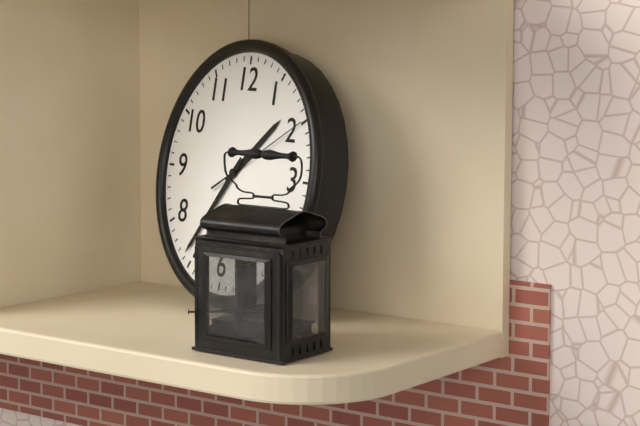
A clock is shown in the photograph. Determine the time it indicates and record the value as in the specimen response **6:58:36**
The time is **1:36:10**
